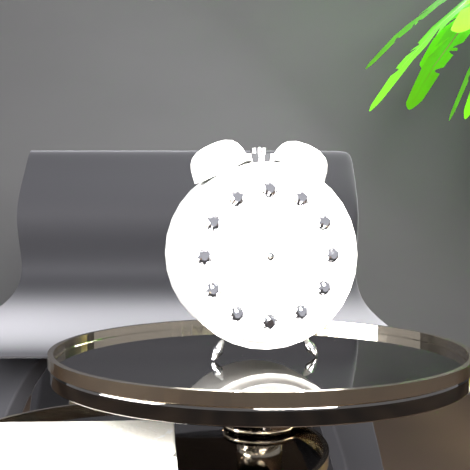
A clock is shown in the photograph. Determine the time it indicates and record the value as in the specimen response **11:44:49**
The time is **11:07:56**
